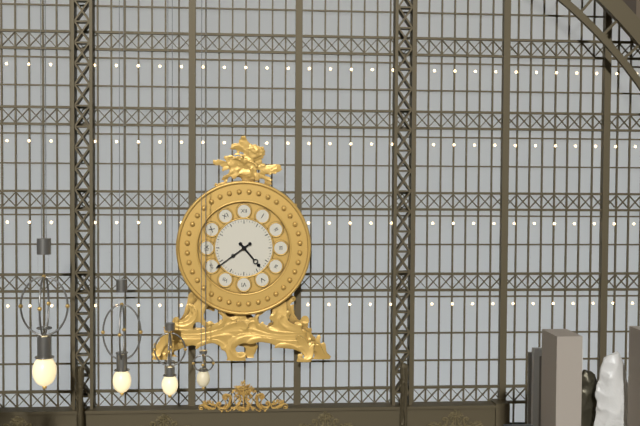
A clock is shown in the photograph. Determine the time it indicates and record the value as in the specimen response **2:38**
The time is **4:39**
